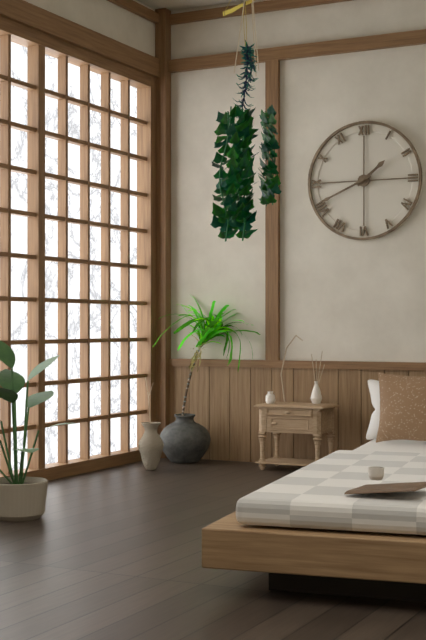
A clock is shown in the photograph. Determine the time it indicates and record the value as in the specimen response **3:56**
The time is **1:41**
